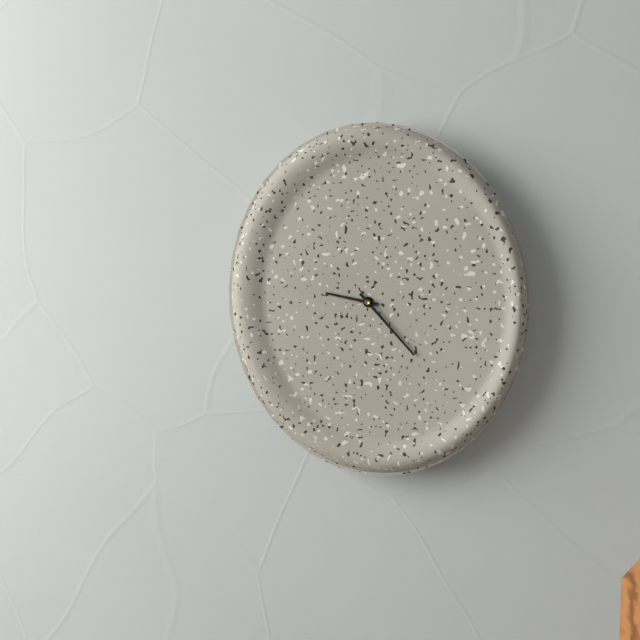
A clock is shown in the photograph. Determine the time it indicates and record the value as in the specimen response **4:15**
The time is **9:23**
